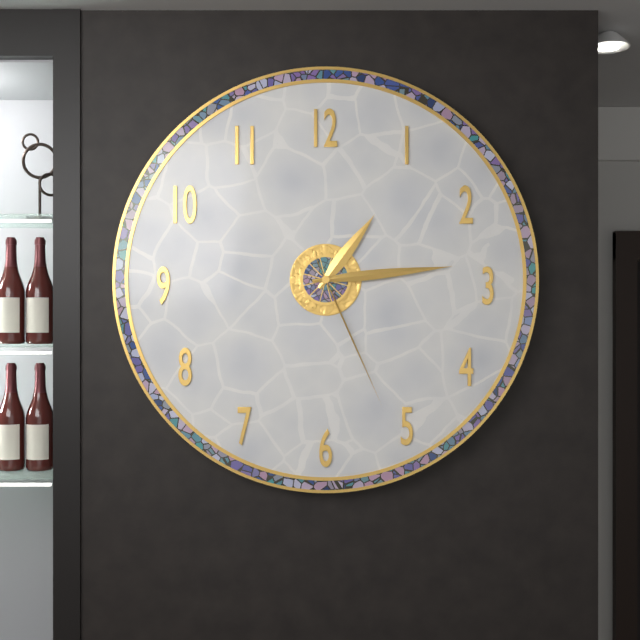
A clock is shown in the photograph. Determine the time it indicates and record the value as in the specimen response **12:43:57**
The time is **1:14:26**
